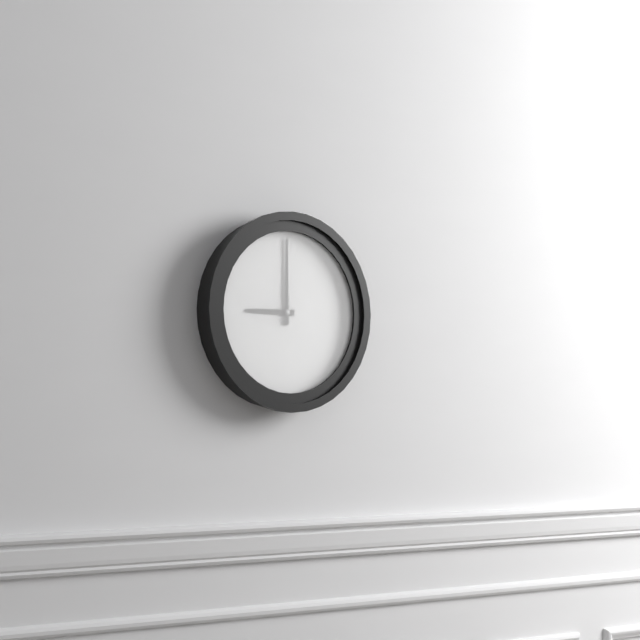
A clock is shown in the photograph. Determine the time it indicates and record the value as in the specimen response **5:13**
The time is **9:00**
